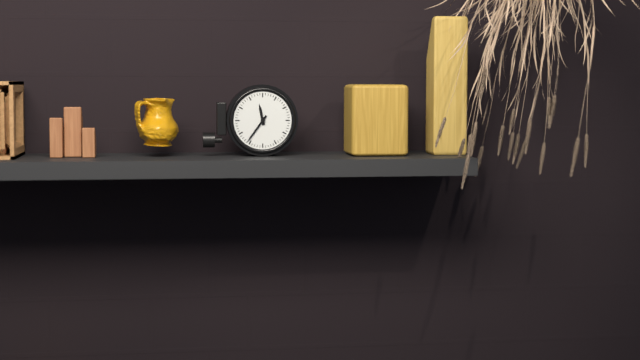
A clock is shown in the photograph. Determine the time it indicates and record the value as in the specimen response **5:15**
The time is **11:36**
